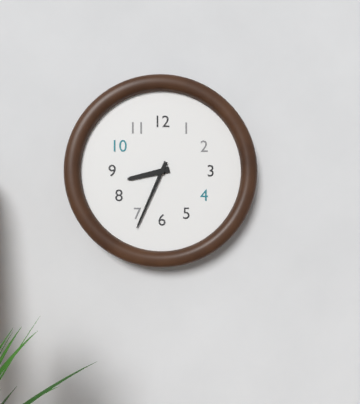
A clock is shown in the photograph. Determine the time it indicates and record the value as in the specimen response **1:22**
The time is **8:34**
